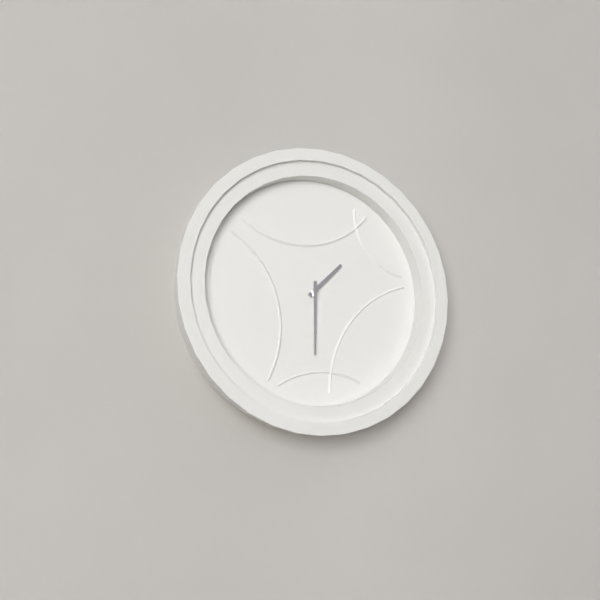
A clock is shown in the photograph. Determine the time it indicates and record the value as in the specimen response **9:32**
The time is **1:30**
